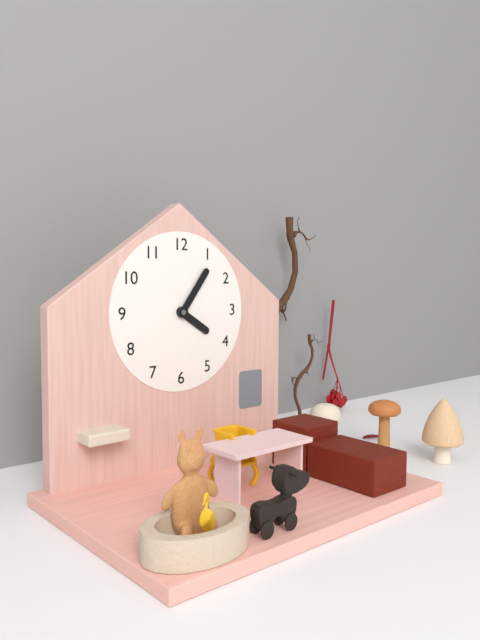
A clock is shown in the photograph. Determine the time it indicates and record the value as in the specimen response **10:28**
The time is **4:06**
